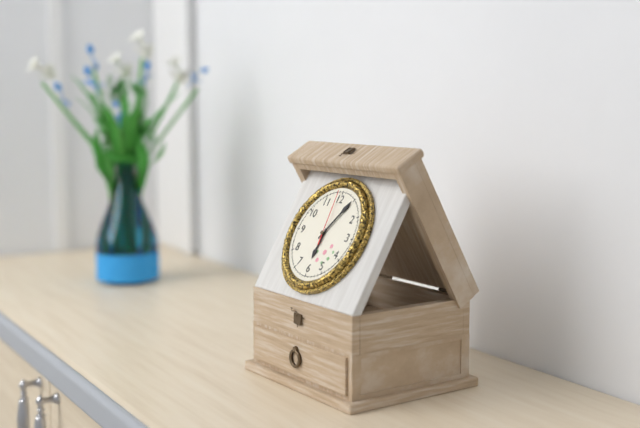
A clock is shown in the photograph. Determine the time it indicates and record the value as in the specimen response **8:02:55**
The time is **6:05:59**
